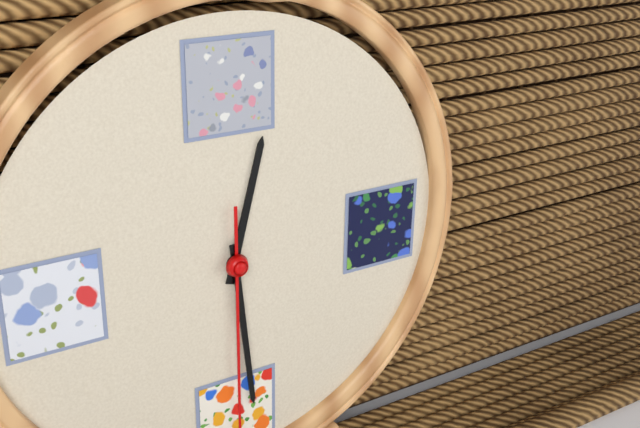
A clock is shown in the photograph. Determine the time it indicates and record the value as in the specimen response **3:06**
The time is **12:29**
